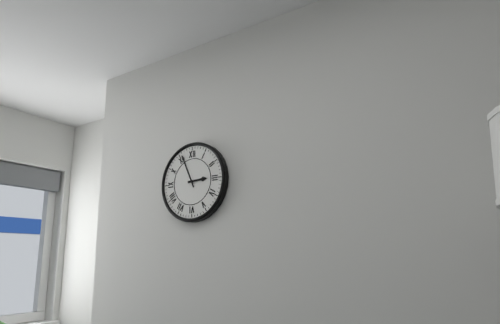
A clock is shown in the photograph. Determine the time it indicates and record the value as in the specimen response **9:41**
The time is **2:56**
